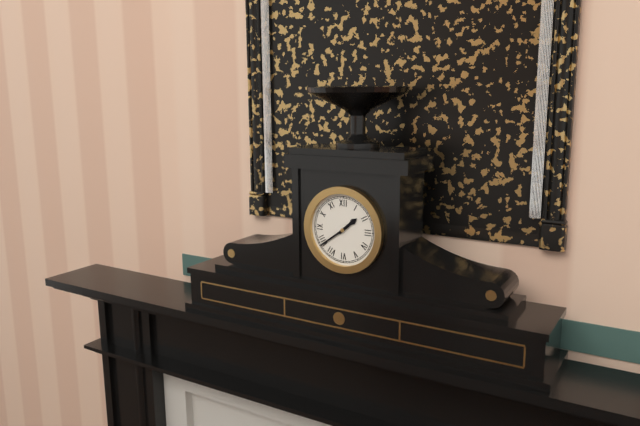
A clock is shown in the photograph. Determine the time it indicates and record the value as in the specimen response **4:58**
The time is **1:39**
